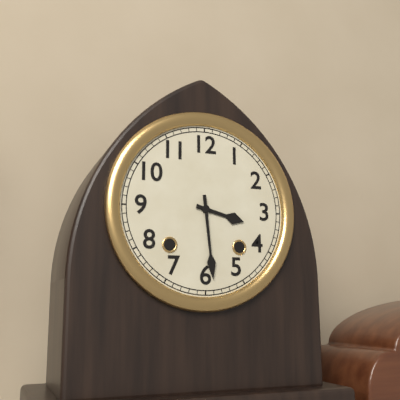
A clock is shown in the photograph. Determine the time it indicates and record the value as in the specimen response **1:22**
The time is **3:29**
